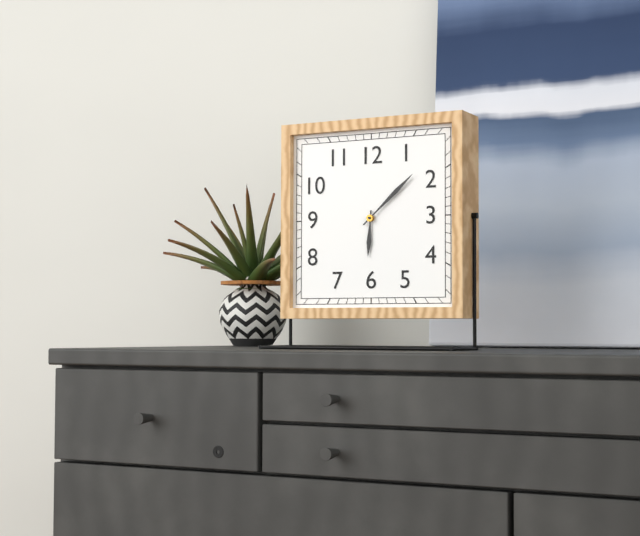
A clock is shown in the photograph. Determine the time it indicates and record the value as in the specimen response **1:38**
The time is **6:08**
